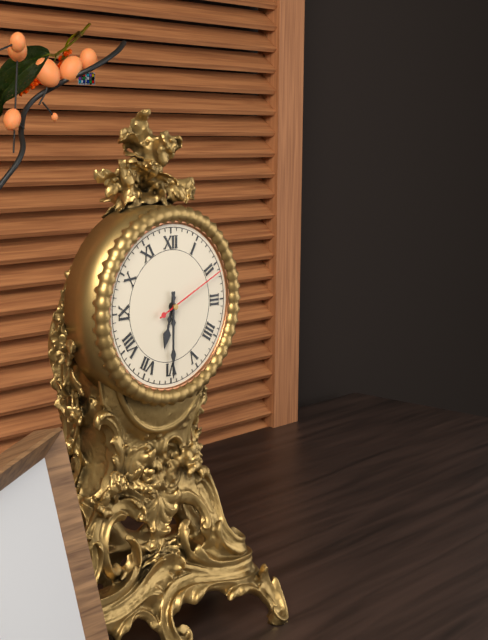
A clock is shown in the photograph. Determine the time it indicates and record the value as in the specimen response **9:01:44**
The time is **6:30:11**
